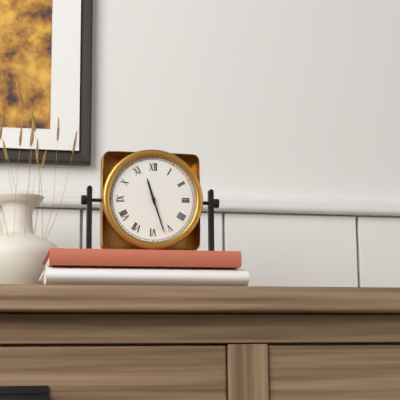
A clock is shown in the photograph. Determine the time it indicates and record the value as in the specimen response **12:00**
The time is **11:27**
